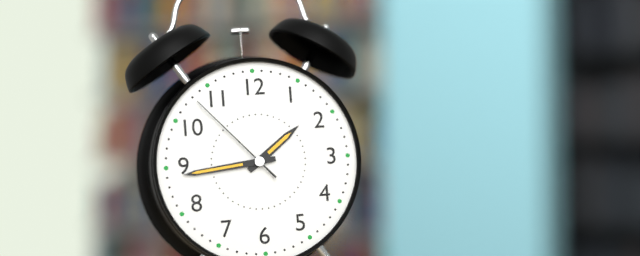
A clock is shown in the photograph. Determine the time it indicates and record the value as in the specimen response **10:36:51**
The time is **1:44:53**
